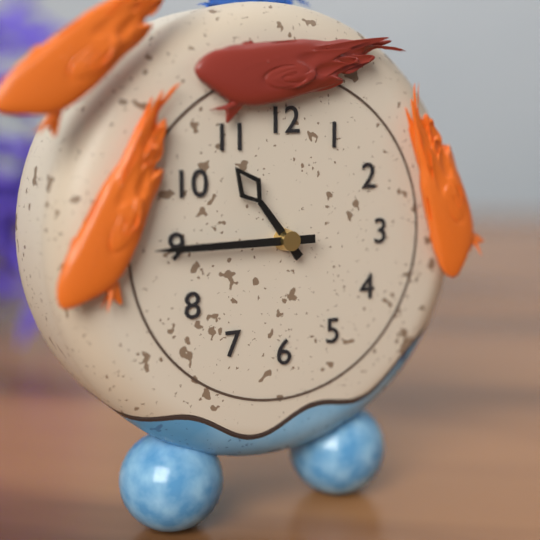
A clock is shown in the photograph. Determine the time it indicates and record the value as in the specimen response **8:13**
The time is **10:45**
